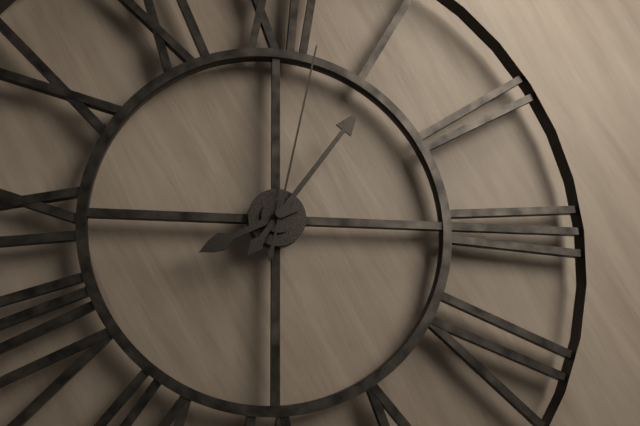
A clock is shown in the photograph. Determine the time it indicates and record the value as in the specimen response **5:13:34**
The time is **8:06:02**
